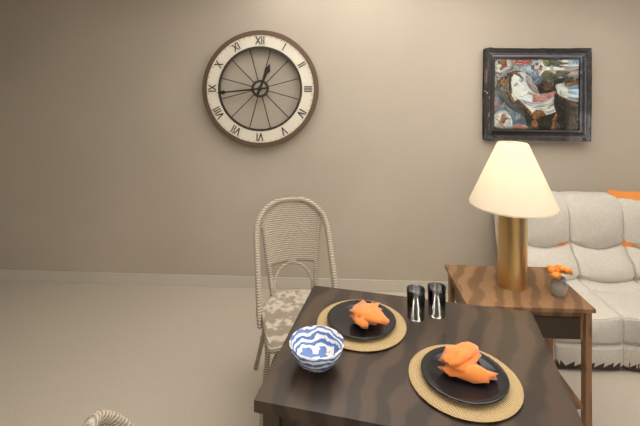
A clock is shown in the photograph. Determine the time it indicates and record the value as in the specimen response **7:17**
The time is **12:44**
